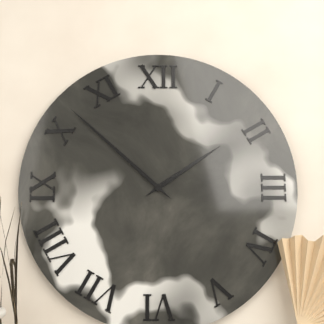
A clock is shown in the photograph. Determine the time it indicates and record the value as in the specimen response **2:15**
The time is **1:52**
